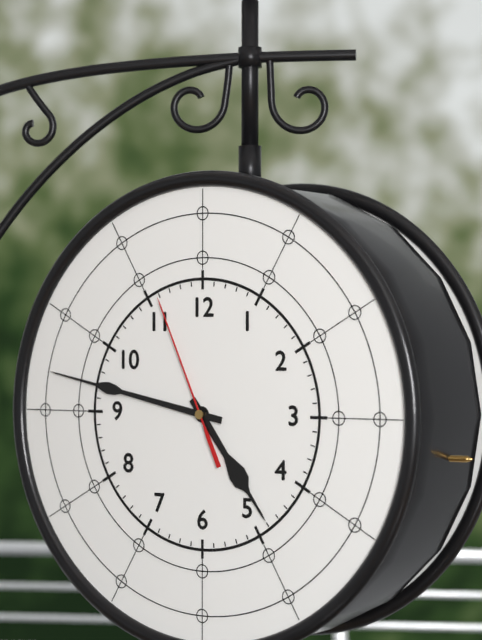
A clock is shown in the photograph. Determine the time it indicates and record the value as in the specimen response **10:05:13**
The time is **4:47:56**
